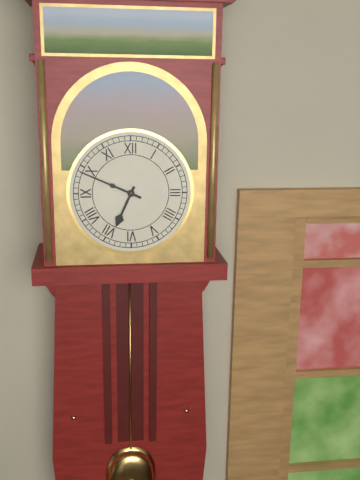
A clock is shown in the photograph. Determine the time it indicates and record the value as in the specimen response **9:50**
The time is **6:49**
